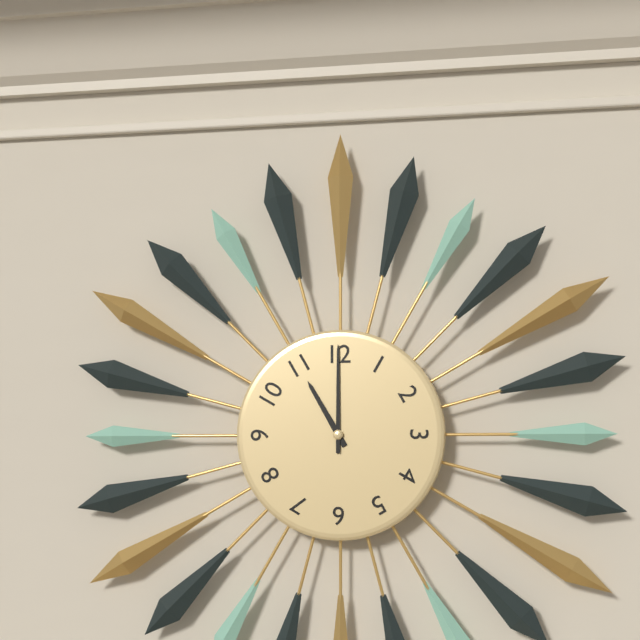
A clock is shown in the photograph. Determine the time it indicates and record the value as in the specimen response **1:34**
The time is **11:00**
